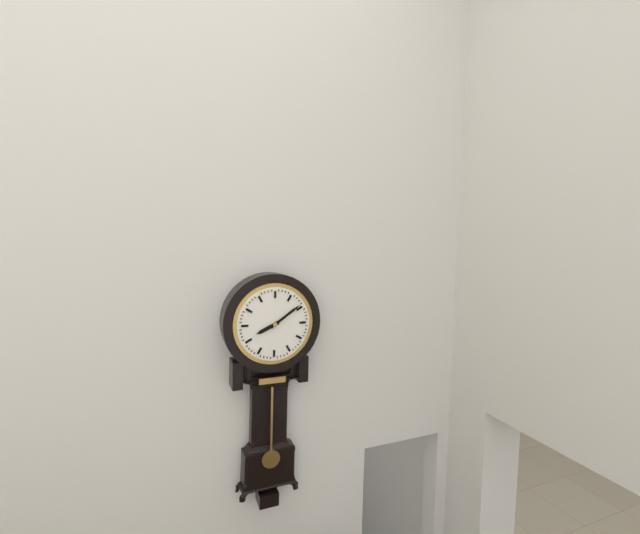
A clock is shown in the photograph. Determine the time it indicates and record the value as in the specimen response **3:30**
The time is **8:09**
